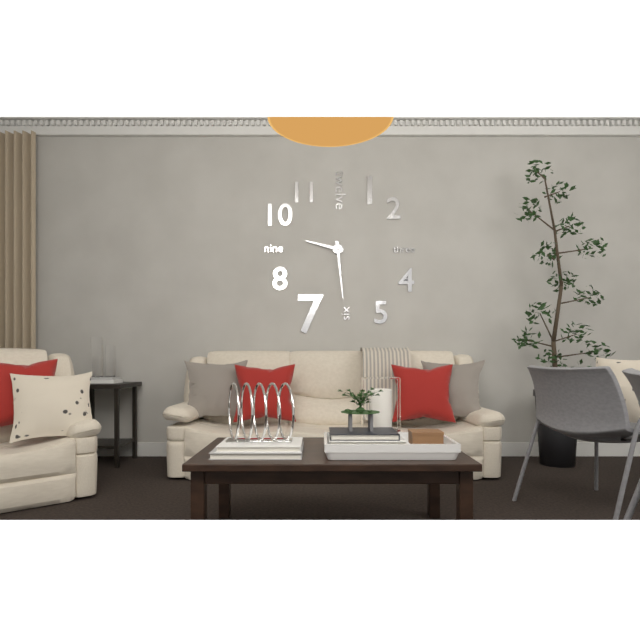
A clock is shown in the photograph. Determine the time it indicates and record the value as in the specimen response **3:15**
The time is **9:29**
